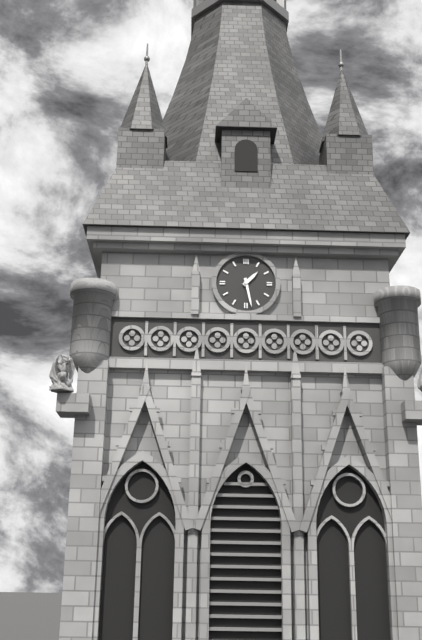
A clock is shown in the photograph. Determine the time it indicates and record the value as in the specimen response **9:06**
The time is **1:28**
